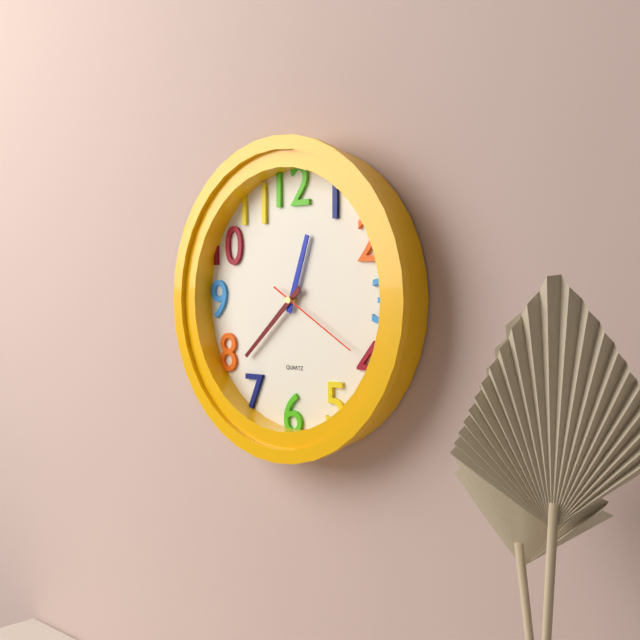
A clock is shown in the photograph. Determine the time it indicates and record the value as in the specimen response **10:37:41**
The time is **12:38:20**
